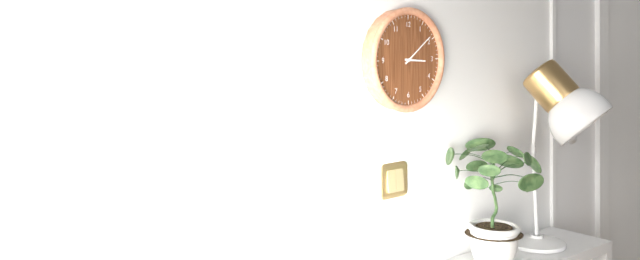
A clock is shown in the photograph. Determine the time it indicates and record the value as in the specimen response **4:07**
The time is **3:09**
